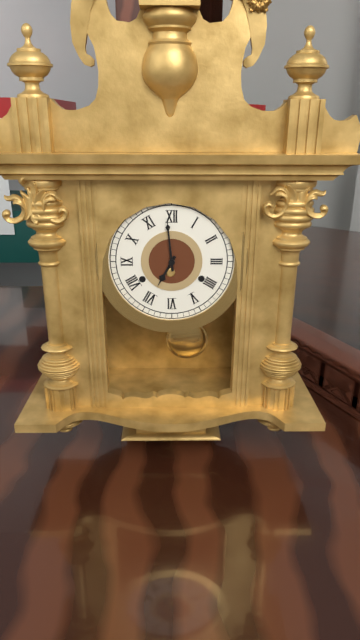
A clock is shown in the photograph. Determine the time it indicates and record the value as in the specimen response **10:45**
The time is **6:59**
